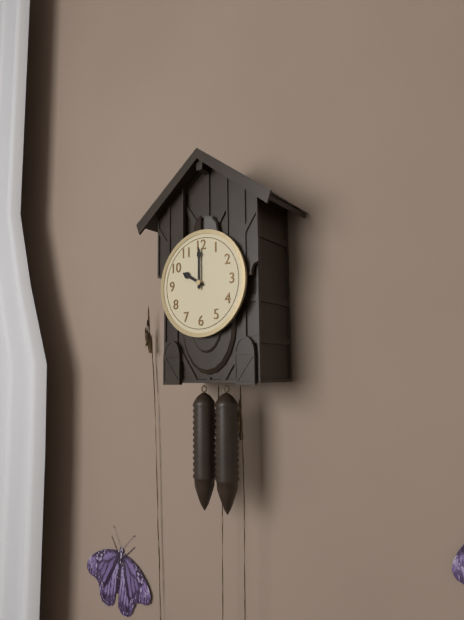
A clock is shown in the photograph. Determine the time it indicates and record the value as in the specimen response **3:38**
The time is **10:00**
